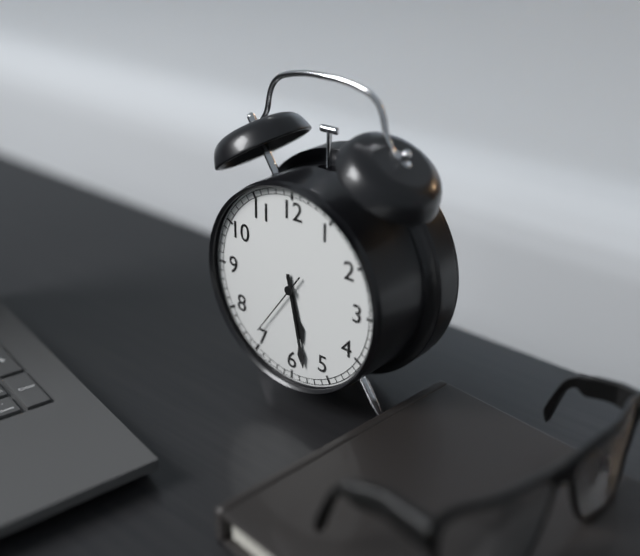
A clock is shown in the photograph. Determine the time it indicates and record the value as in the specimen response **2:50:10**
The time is **5:28:36**
